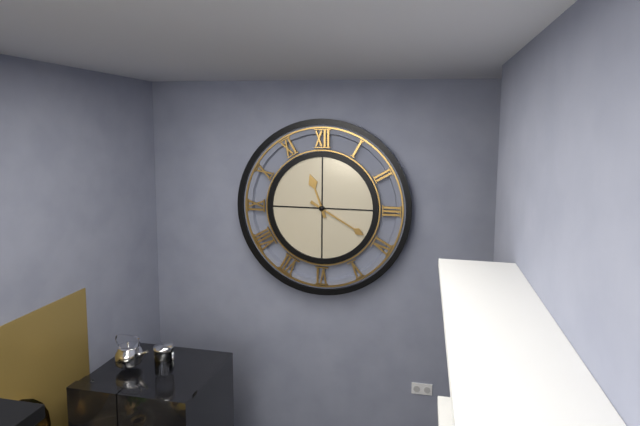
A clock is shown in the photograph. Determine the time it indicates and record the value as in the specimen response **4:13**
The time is **11:20**
